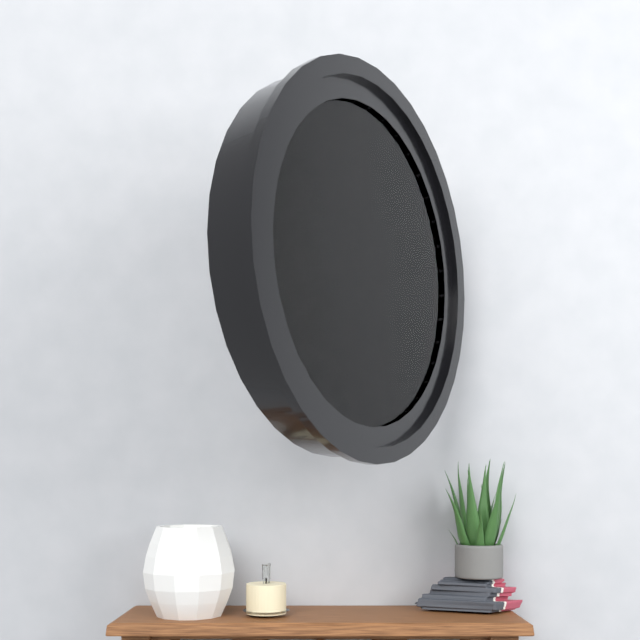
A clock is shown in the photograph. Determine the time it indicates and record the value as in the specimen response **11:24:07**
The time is **7:49:26**
